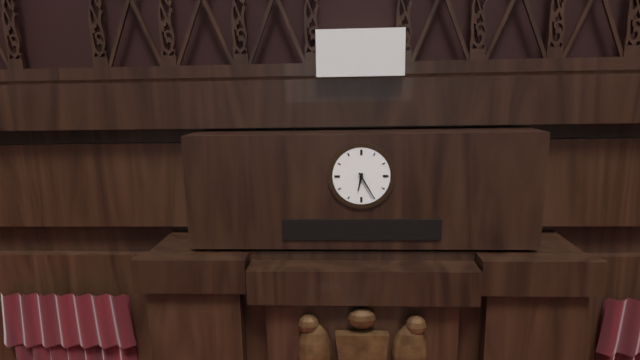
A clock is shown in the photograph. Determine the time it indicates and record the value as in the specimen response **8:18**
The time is **6:25**
